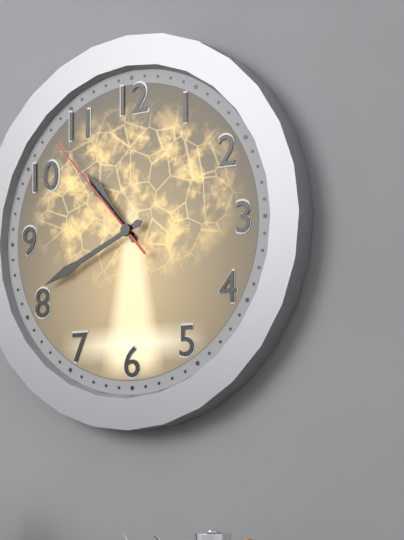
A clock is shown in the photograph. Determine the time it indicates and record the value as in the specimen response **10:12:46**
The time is **10:41:53**
